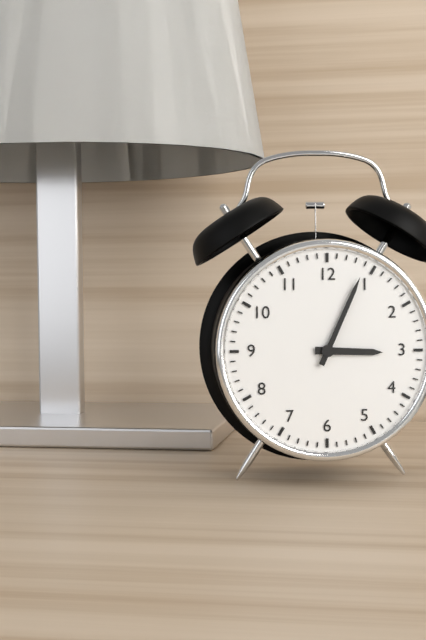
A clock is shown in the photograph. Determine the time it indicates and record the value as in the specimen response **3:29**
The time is **3:04**
